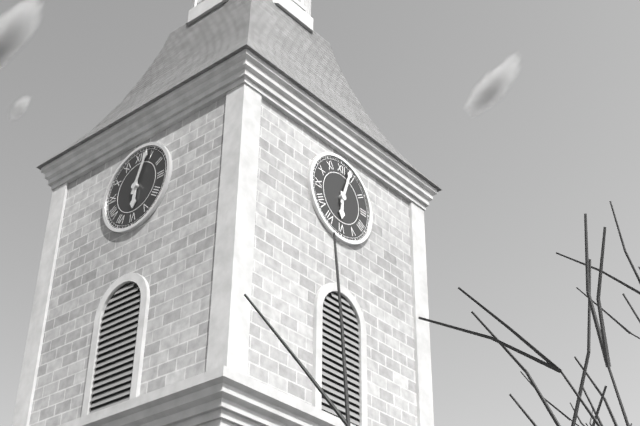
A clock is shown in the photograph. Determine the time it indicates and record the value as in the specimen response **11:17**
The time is **6:03**
